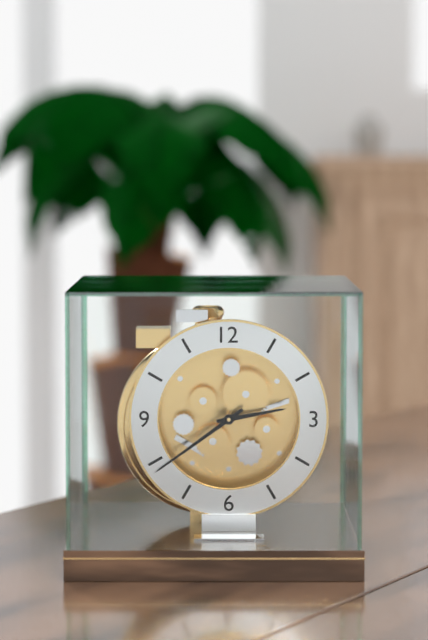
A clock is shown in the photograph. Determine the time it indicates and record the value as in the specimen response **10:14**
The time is **2:39**
